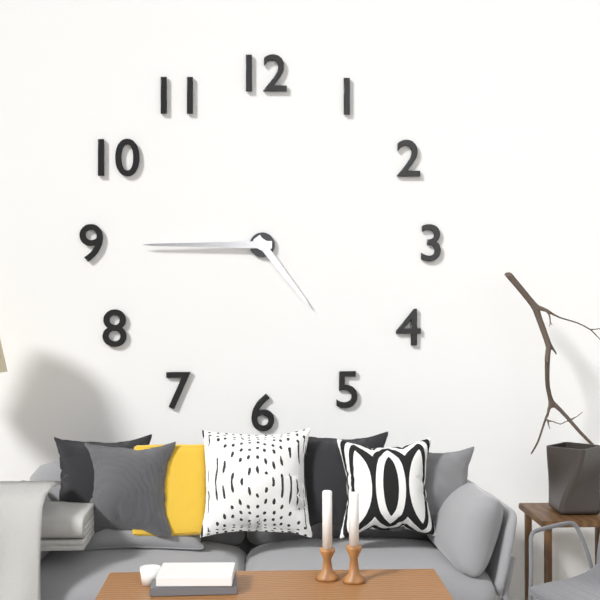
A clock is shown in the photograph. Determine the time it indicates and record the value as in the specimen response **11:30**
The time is **4:45**
